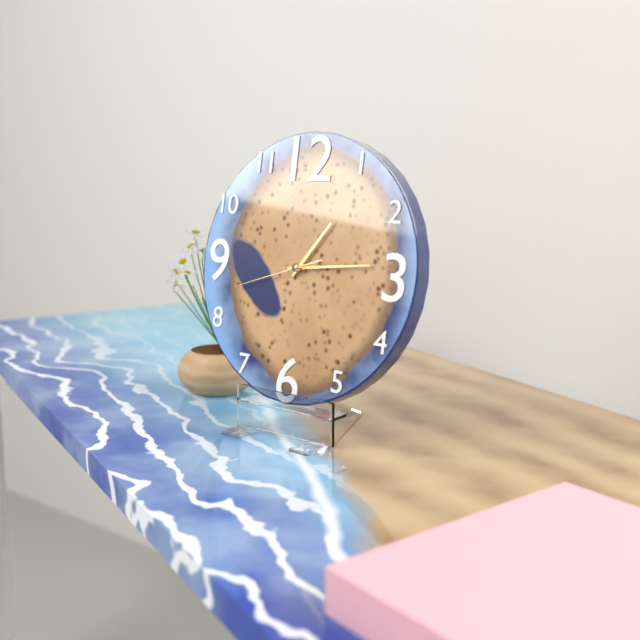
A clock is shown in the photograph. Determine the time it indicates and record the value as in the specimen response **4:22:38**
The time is **1:14:42**
